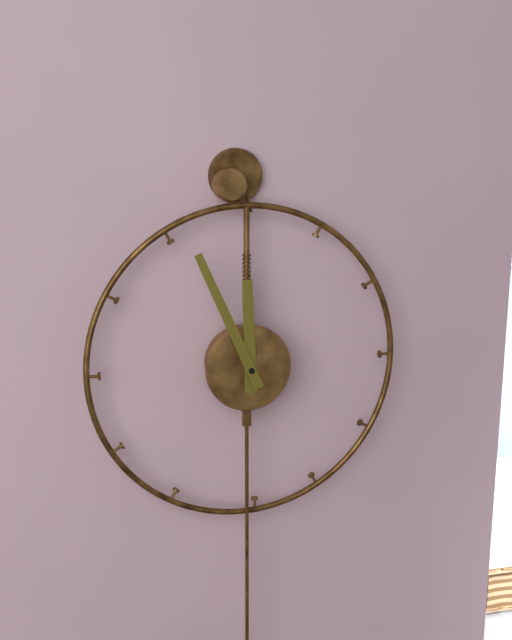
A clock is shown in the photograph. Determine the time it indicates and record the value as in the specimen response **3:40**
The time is **11:56**
